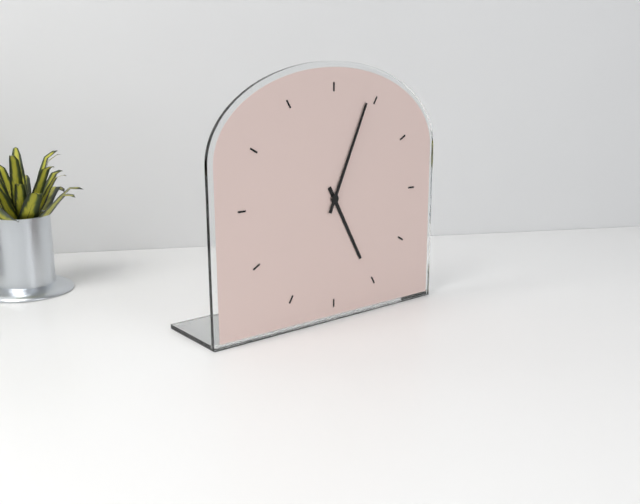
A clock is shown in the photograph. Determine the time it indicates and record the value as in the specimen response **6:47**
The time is **5:04**
